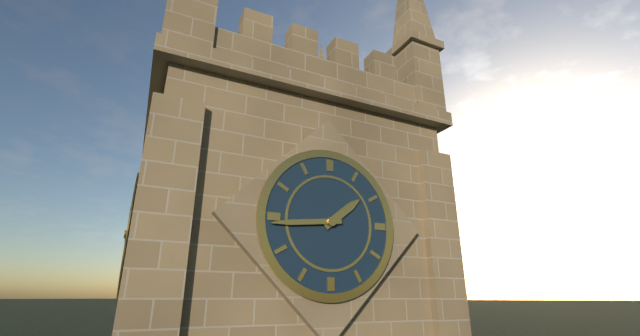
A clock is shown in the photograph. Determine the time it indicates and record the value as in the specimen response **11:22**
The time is **1:44**
